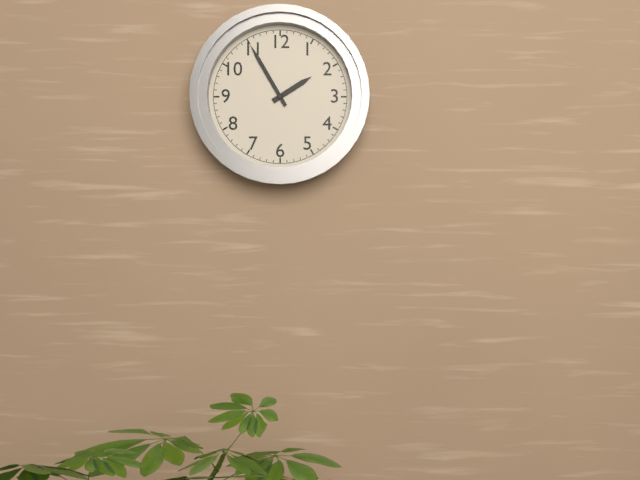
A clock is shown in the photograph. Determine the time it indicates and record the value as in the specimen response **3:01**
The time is **1:55**
